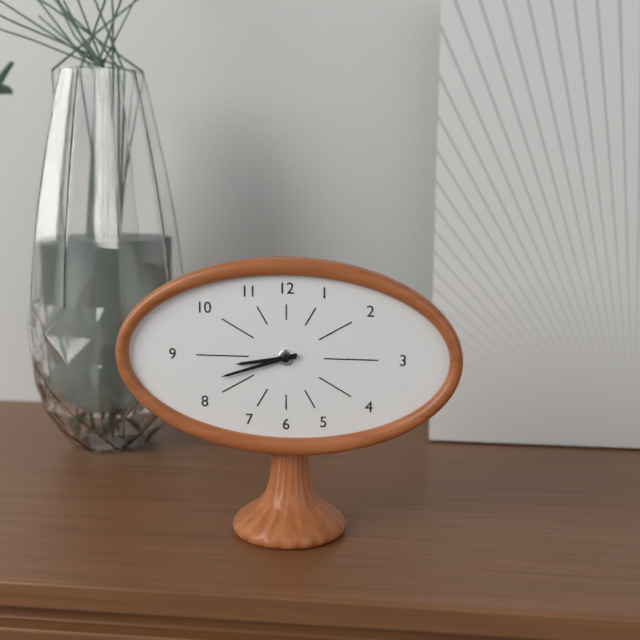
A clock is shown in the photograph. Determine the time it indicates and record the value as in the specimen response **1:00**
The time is **8:42**
